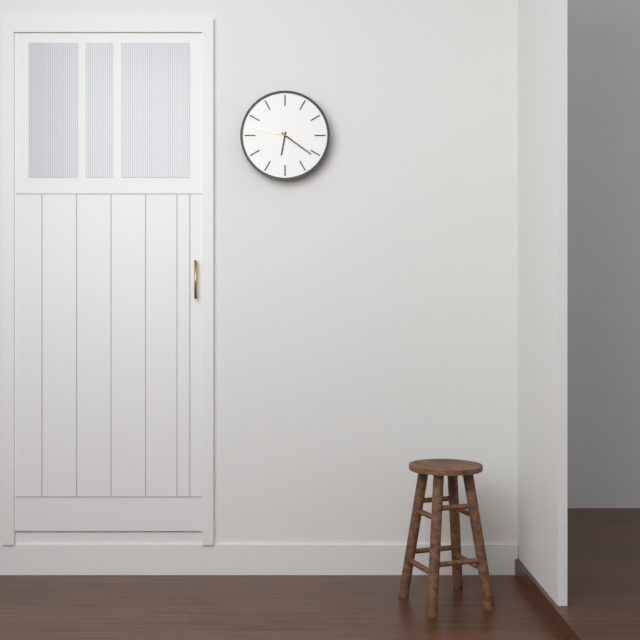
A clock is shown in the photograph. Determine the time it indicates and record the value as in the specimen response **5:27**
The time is **6:21**
